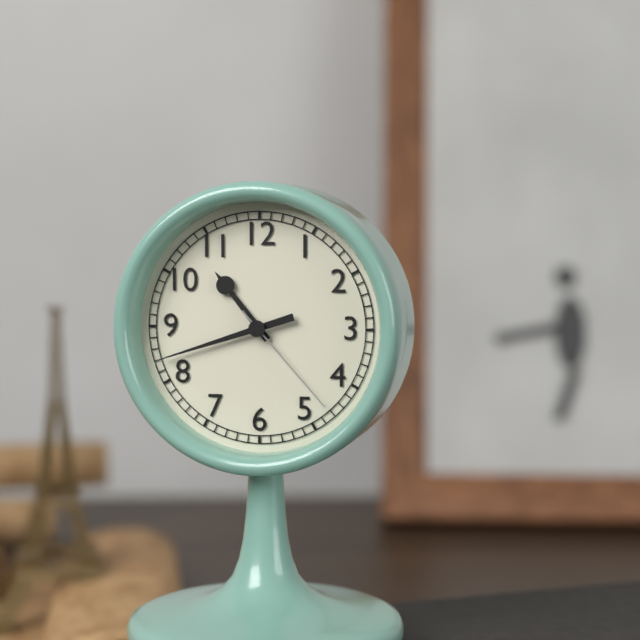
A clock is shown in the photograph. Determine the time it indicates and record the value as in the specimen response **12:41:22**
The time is **10:42:23**
